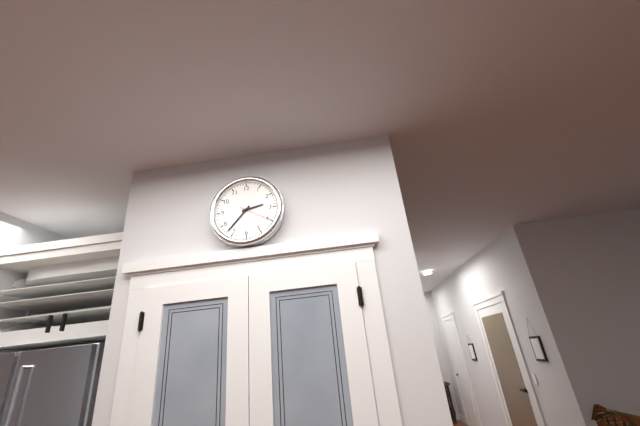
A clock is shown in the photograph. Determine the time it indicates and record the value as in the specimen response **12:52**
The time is **2:37**
